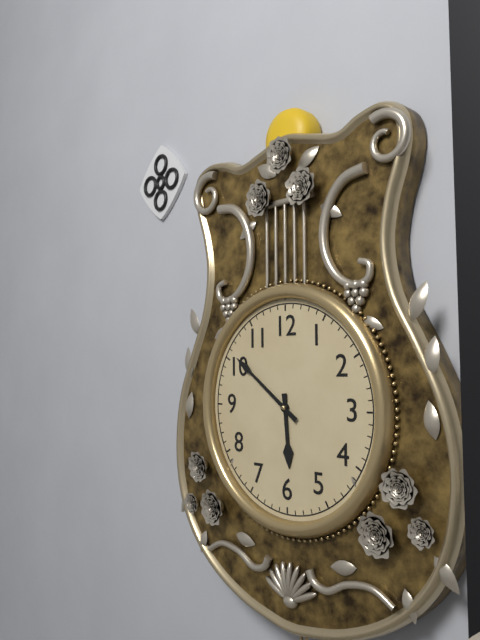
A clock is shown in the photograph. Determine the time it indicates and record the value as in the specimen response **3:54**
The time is **5:51**
